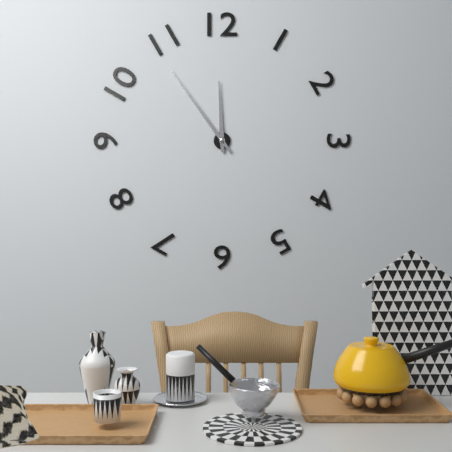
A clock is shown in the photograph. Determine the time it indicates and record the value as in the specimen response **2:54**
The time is **11:54**
